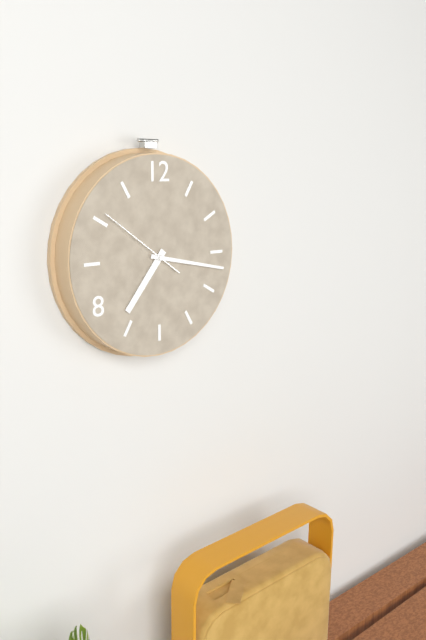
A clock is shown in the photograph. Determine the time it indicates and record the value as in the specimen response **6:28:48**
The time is **7:17:51**
